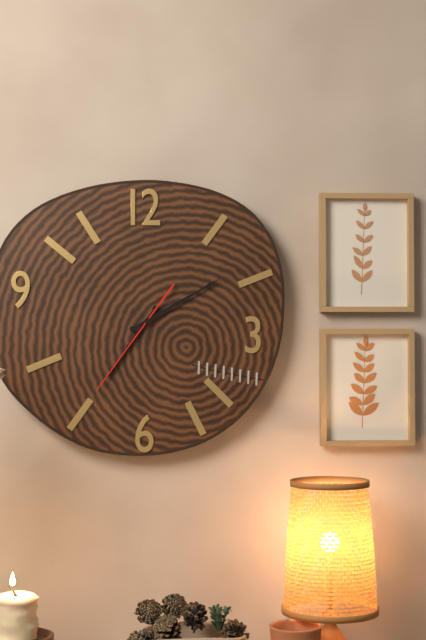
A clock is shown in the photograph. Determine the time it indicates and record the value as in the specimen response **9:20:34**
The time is **7:10:36**
